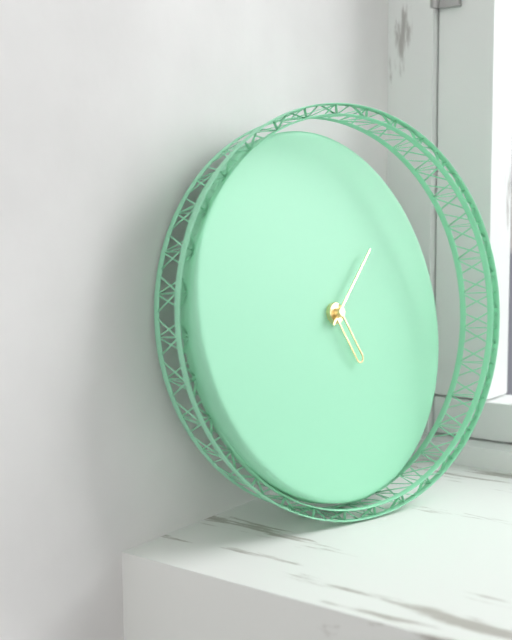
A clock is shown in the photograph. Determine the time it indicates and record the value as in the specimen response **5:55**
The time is **5:08**
